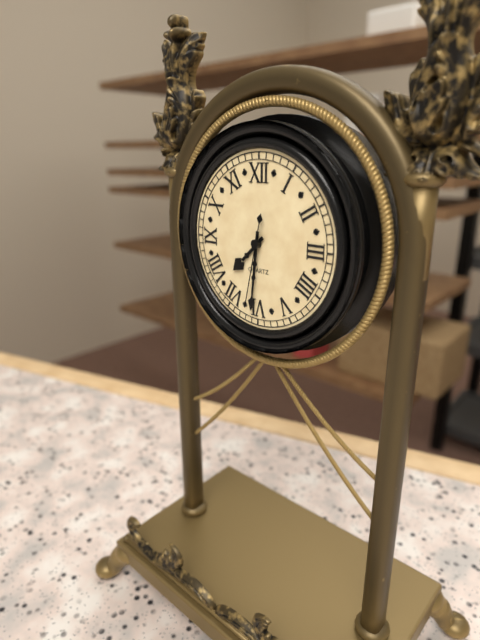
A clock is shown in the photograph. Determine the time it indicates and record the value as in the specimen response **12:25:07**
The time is **7:31:32**
